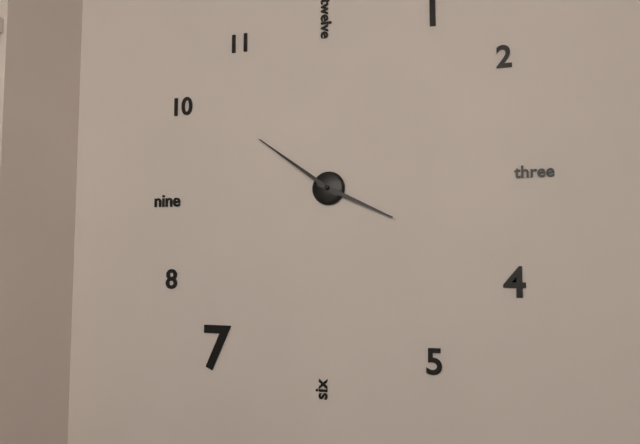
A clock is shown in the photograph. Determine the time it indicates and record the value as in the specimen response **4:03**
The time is **3:51**
